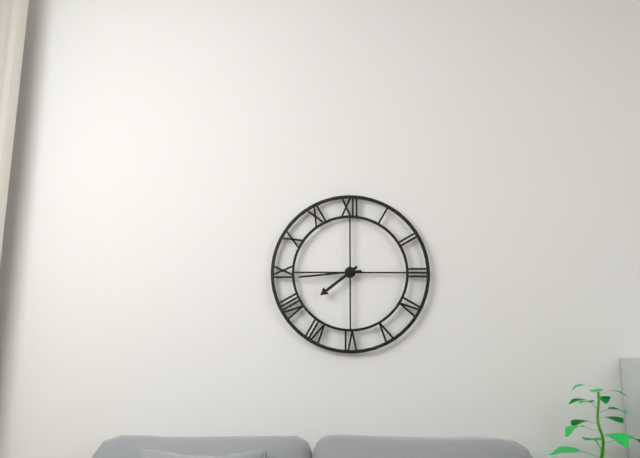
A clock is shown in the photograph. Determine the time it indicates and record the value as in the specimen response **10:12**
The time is **7:44**
